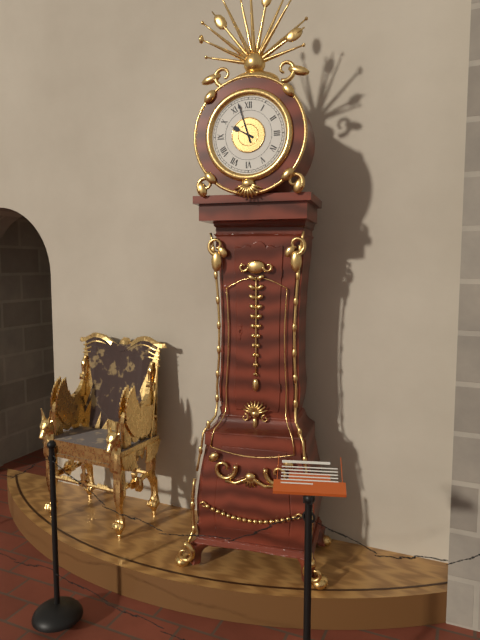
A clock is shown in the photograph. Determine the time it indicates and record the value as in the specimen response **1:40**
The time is **9:57**
